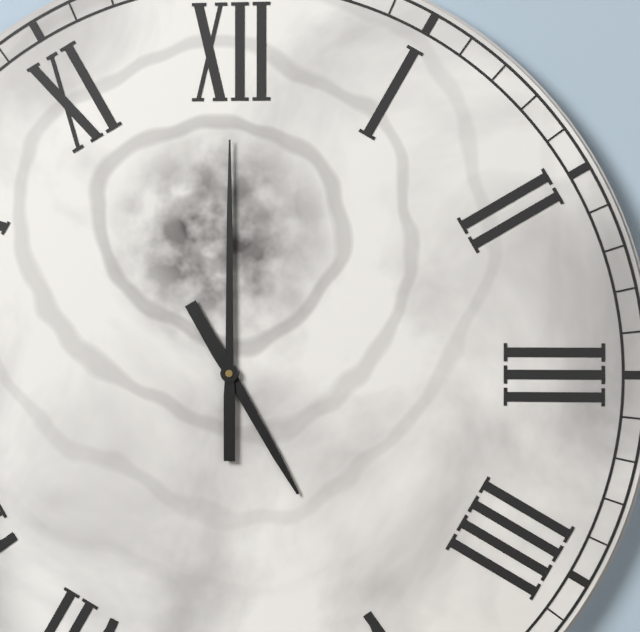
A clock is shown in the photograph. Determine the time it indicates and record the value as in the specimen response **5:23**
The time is **5:00**
